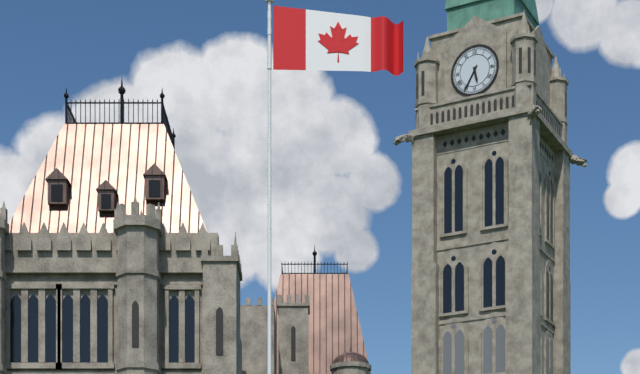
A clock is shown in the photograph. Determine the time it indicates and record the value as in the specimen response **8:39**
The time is **5:35**
